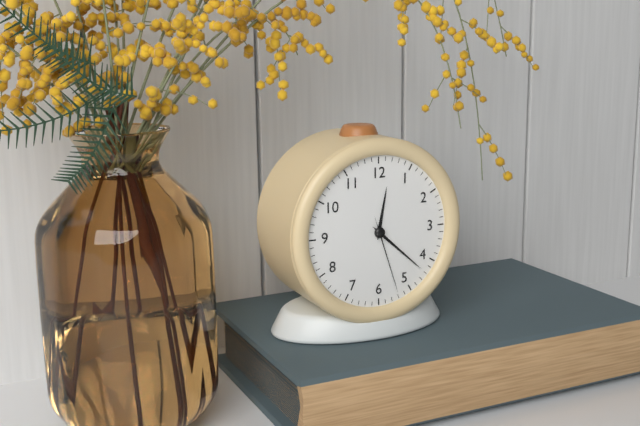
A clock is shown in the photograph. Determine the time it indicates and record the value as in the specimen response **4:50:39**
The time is **12:22:27**
